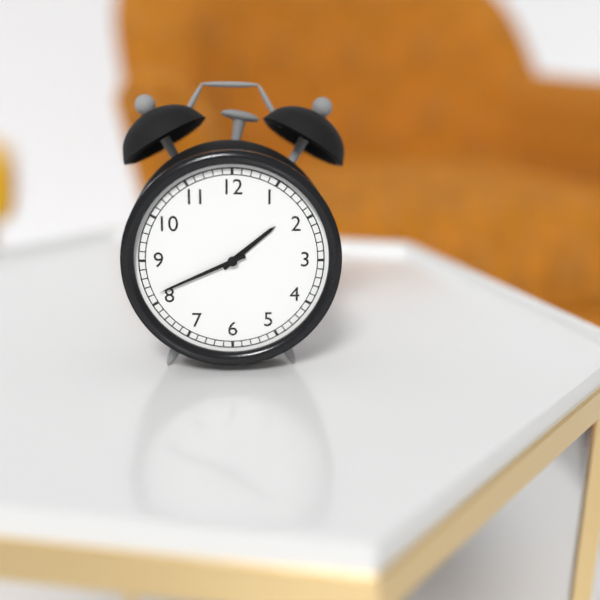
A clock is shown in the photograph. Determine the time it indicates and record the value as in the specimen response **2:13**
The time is **1:41**
